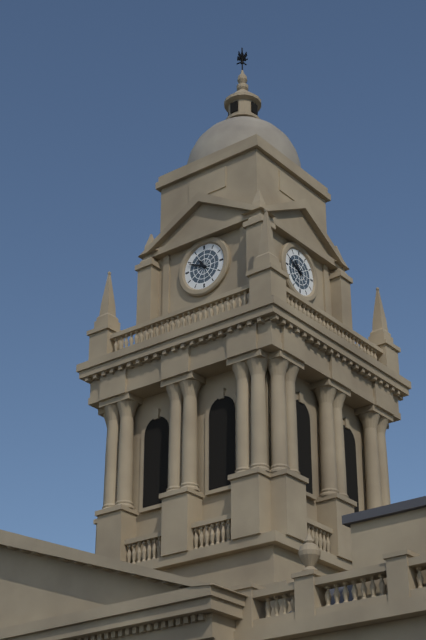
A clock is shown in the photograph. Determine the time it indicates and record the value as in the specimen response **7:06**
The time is **10:49**
